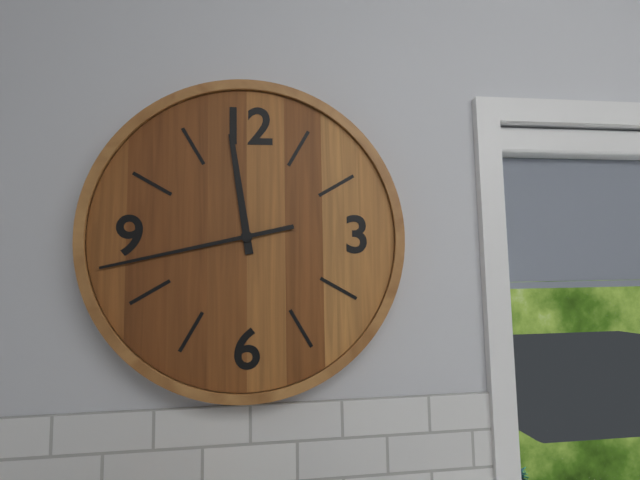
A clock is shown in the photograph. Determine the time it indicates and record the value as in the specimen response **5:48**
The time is **11:43**
